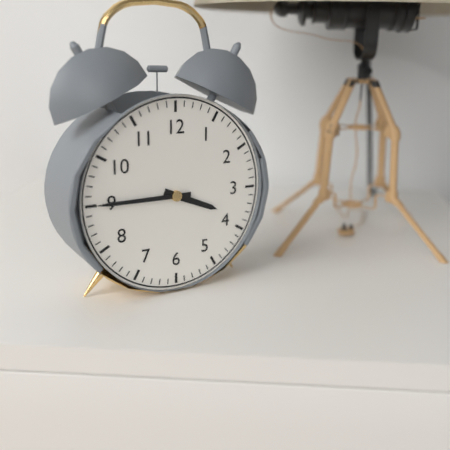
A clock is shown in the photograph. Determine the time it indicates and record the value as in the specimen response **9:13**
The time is **3:45**
